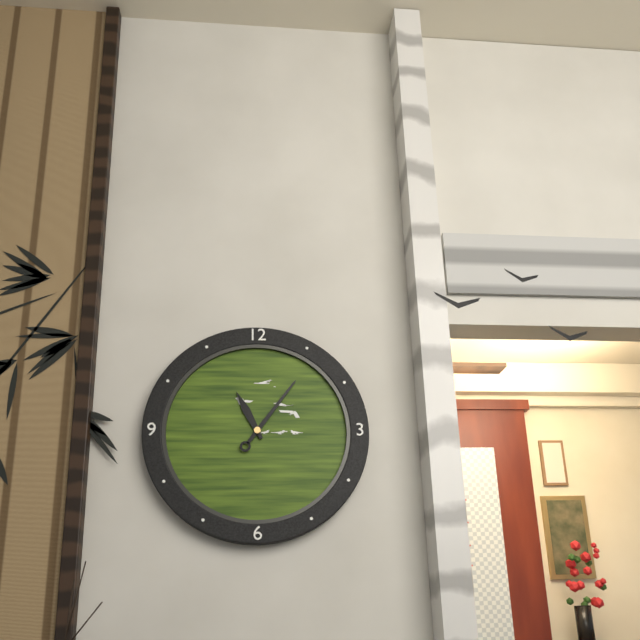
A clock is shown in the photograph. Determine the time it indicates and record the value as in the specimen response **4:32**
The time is **11:06**
